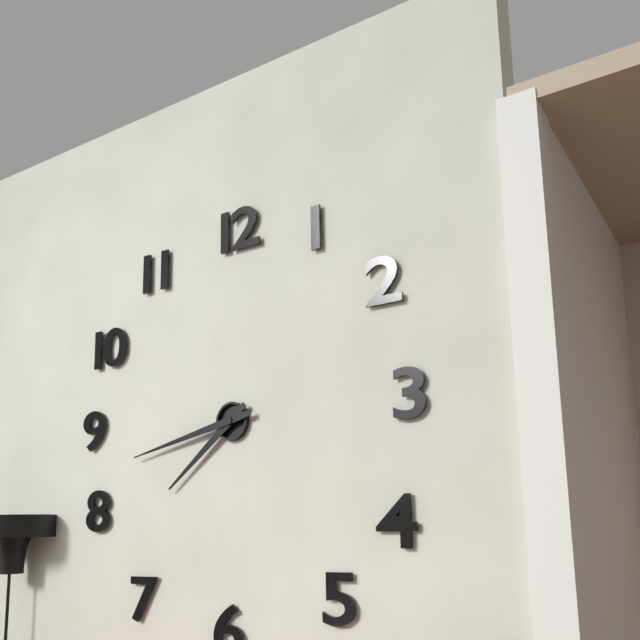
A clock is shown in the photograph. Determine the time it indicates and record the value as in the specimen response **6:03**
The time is **7:43**
